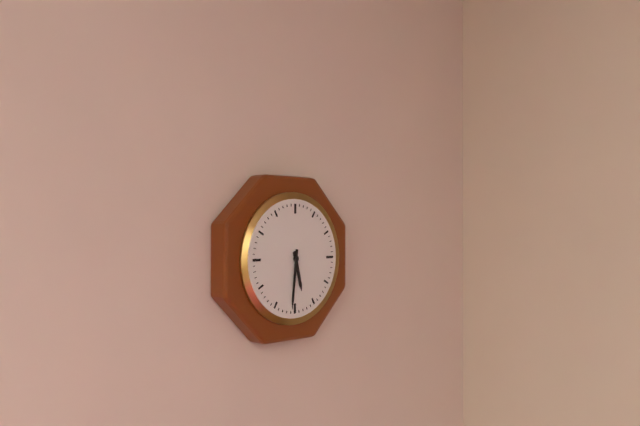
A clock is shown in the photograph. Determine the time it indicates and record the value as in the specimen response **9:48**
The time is **5:31**
